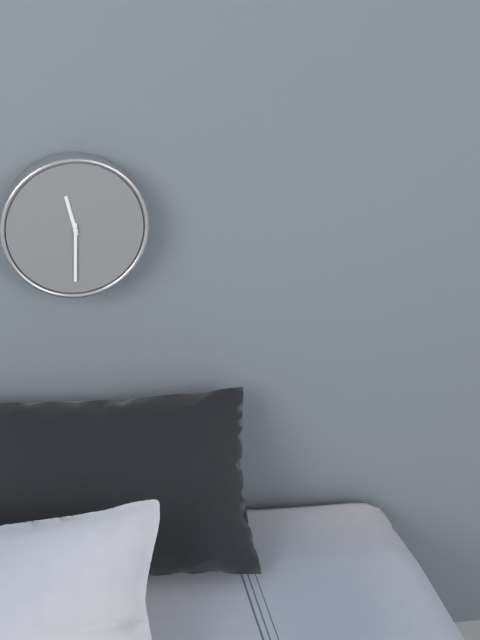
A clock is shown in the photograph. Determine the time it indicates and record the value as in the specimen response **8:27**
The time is **11:30**
